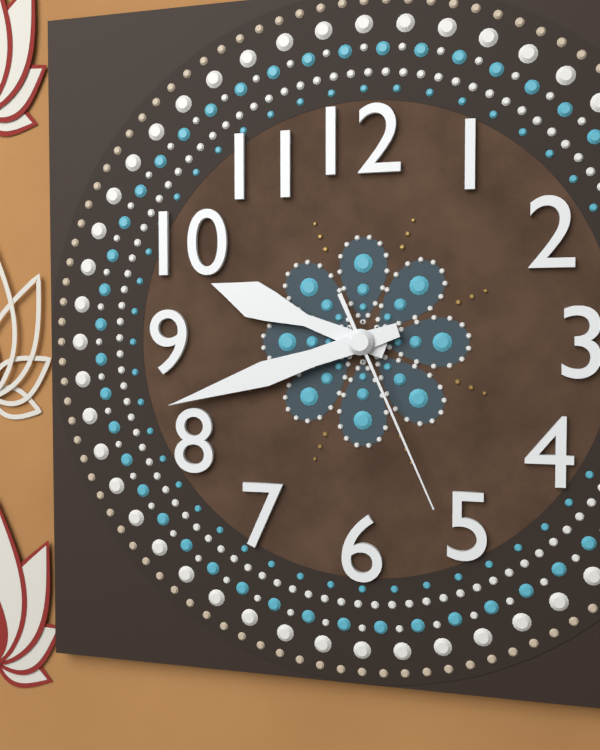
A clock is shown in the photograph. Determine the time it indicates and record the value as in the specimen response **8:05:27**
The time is **9:42:26**
